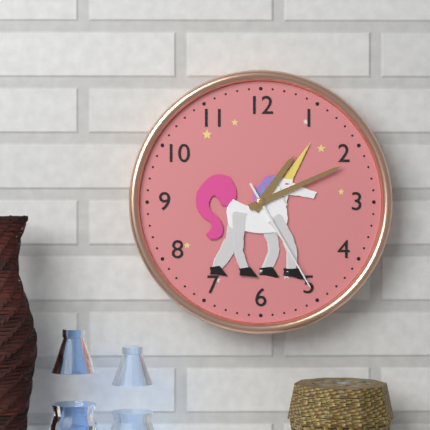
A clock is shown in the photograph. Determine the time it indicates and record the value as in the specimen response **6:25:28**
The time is **1:11:25**
